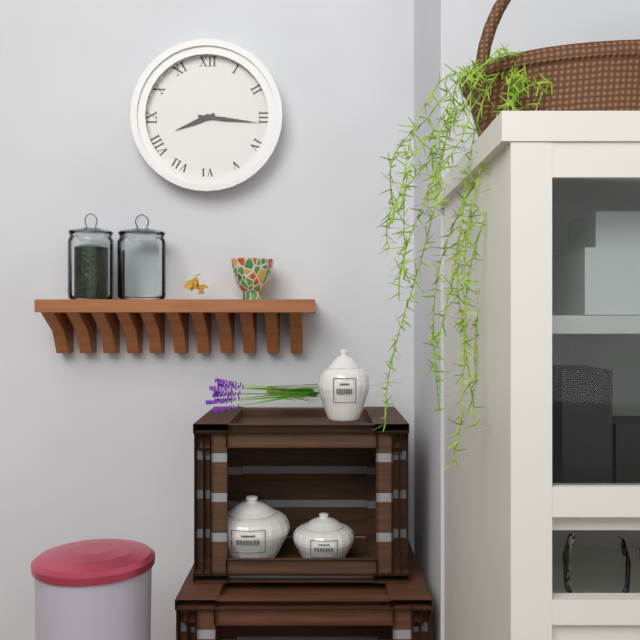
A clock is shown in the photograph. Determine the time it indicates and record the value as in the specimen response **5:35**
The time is **8:16**
